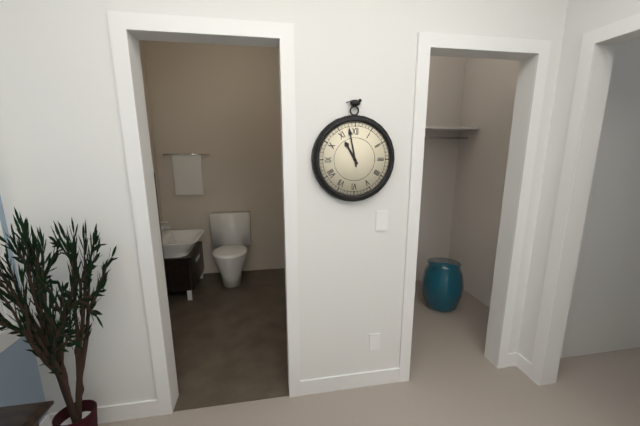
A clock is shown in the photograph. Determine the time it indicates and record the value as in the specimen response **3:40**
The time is **10:58**
